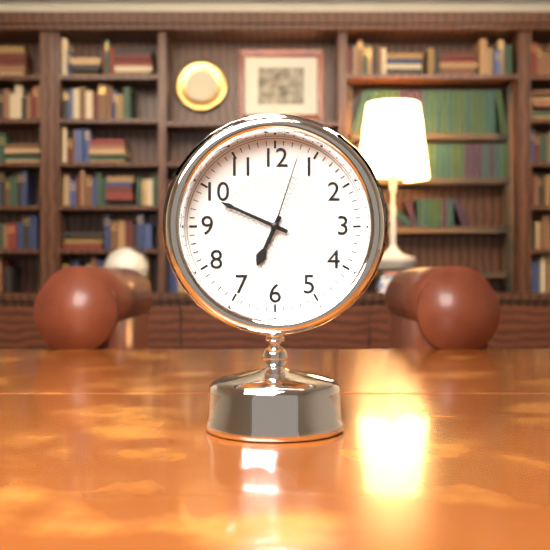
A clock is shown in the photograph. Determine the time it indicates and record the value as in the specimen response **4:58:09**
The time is **6:49:03**
